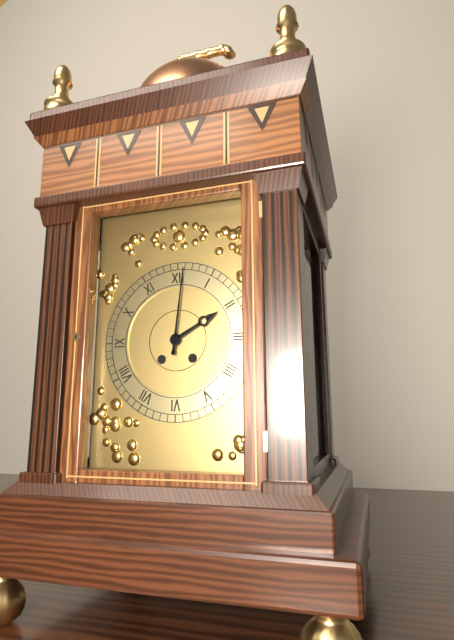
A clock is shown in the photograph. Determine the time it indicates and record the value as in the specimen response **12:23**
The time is **2:01**
